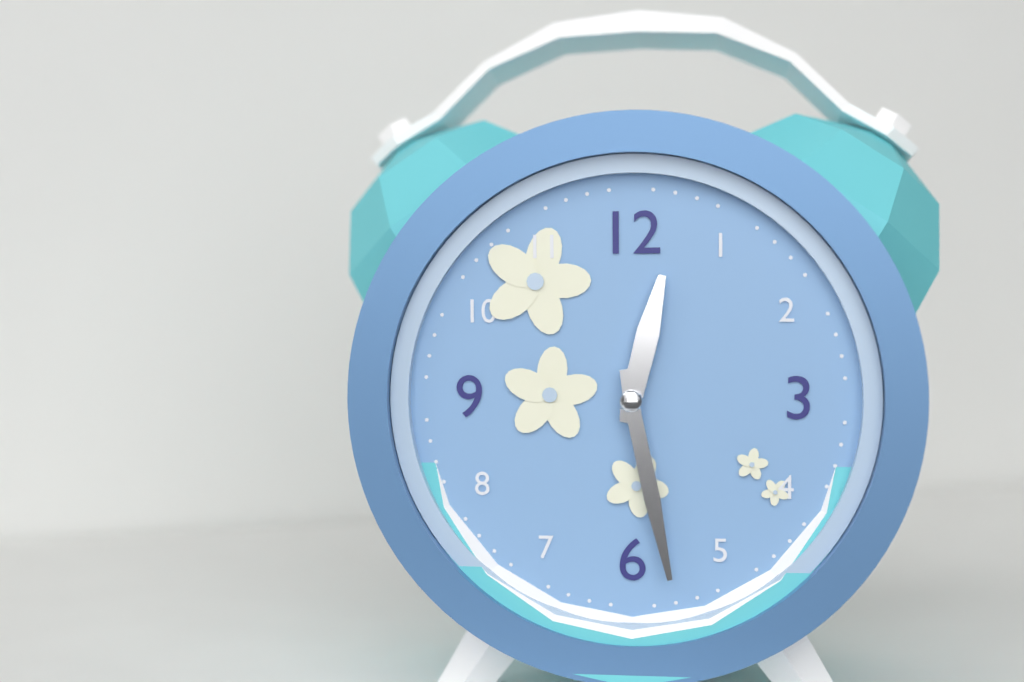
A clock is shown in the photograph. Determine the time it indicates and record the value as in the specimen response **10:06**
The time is **12:28**
